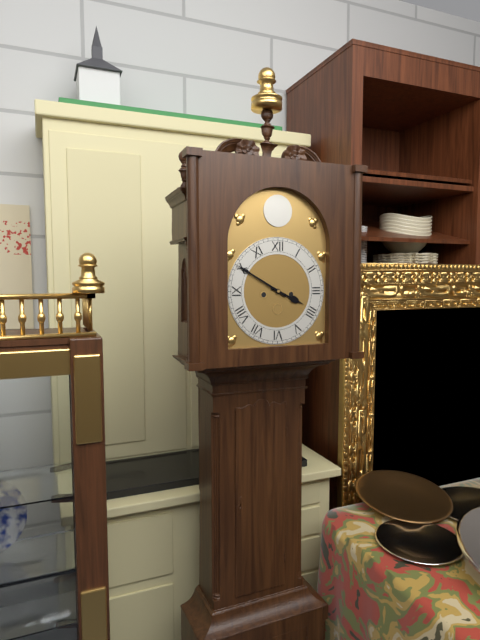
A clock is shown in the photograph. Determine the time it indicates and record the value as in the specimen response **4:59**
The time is **3:50**
